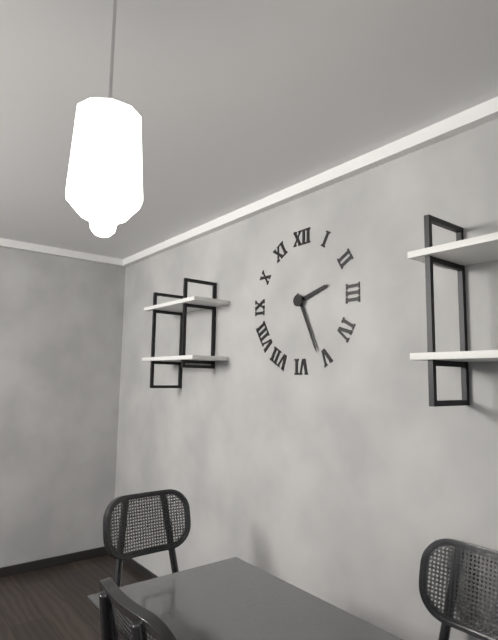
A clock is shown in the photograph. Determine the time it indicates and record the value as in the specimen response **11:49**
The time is **2:26**
